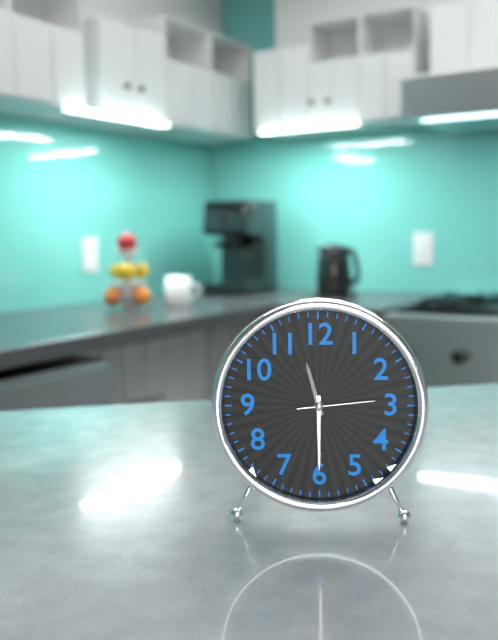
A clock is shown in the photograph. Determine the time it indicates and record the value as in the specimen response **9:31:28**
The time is **11:30:14**
